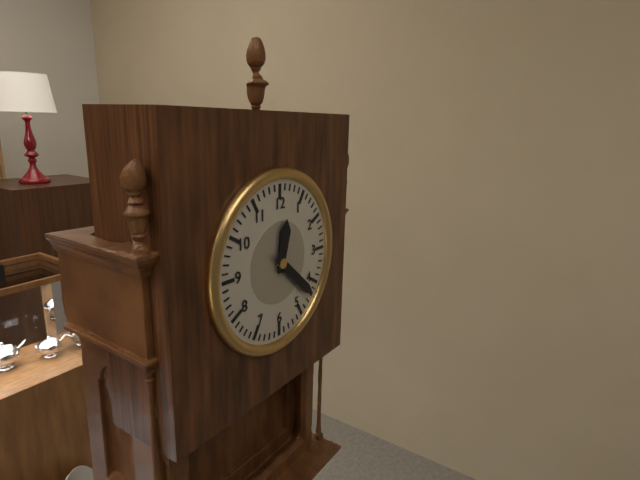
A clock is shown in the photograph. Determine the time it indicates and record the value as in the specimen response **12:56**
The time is **12:22**
